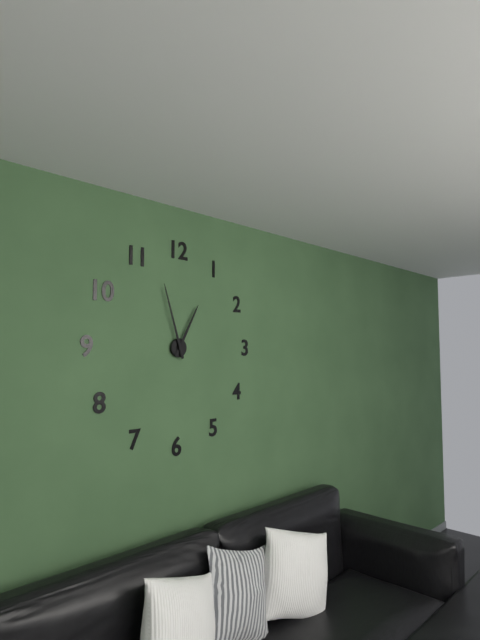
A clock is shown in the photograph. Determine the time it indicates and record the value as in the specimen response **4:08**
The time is **12:57**
